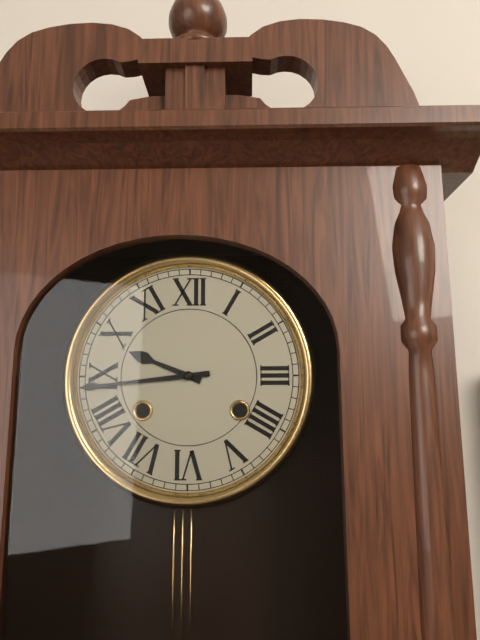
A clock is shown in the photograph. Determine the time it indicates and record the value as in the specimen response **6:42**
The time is **9:44**
